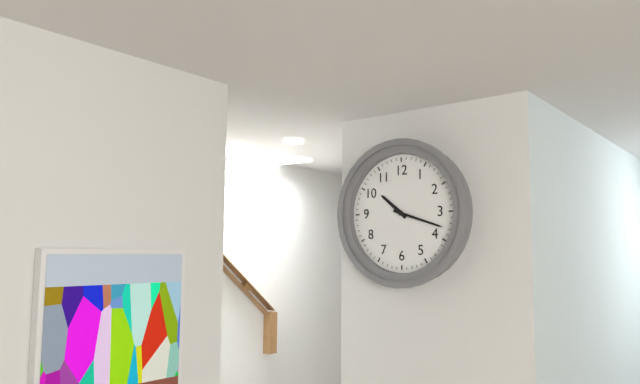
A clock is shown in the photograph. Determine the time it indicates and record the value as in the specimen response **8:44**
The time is **10:18**
